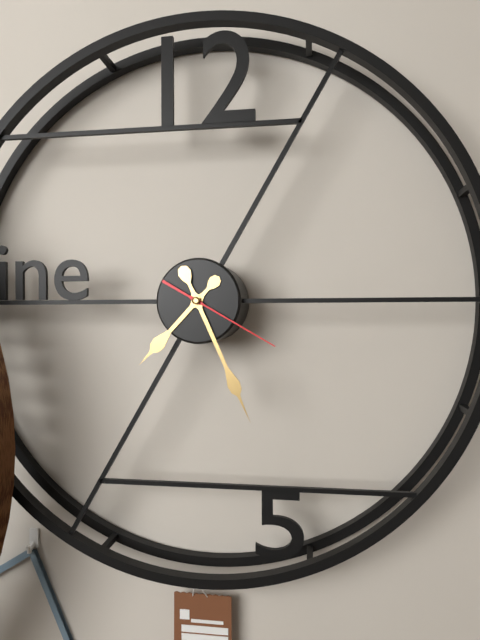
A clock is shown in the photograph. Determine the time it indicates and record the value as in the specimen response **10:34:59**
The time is **7:26:20**
